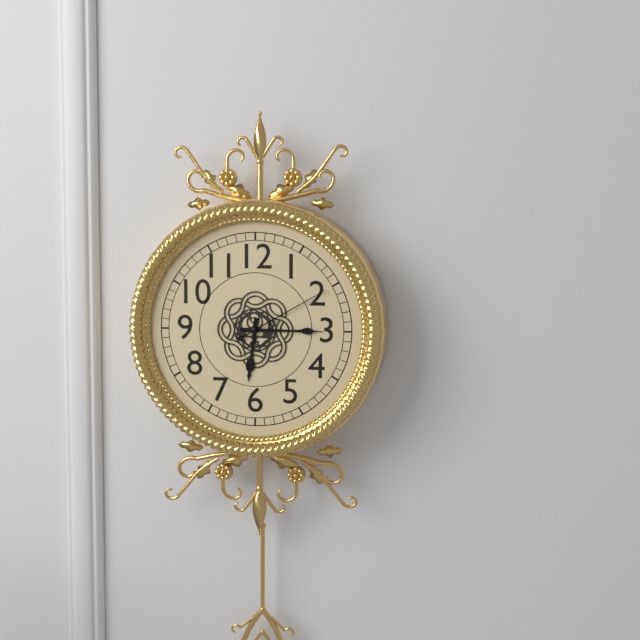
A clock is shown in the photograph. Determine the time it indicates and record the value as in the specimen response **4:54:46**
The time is **6:15:10**
